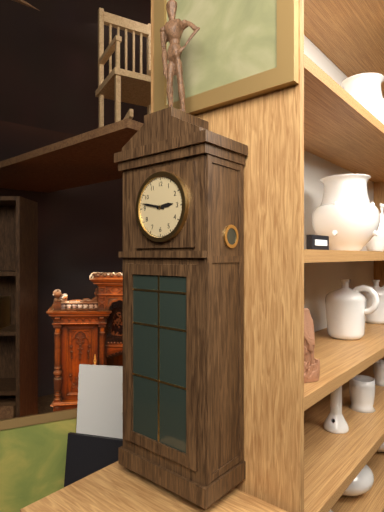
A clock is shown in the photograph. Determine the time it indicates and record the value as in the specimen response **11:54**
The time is **2:47**
